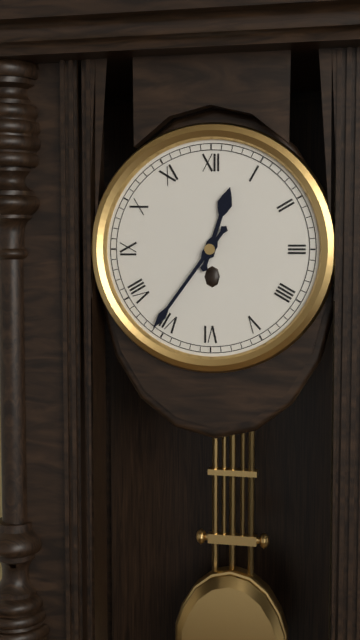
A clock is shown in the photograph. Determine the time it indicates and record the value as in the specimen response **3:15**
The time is **12:36**
